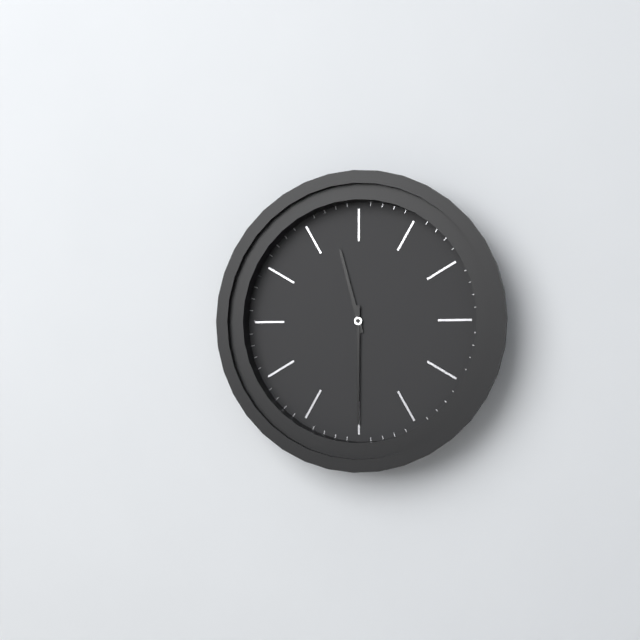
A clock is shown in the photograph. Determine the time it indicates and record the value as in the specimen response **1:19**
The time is **11:30**
